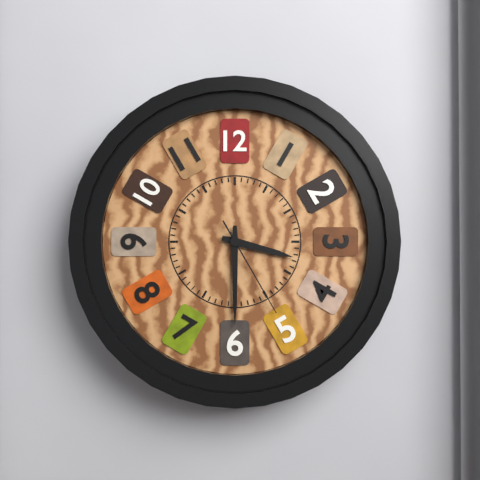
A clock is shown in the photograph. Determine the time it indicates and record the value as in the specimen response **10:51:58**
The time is **3:30:25**
